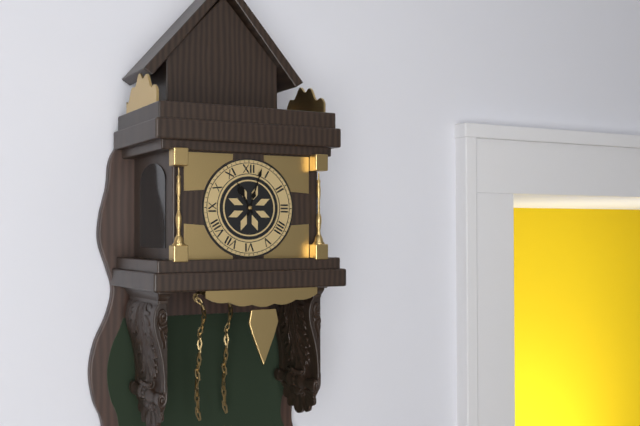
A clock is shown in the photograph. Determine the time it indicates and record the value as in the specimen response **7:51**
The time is **11:03**
